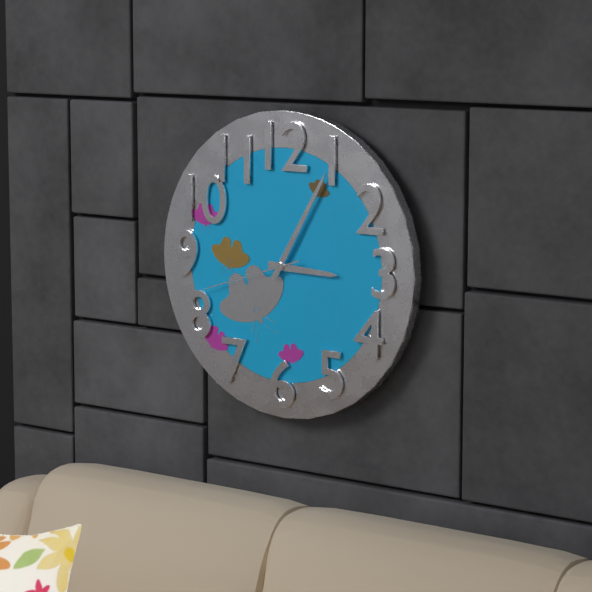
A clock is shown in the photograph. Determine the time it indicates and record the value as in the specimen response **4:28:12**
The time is **3:05:42**
